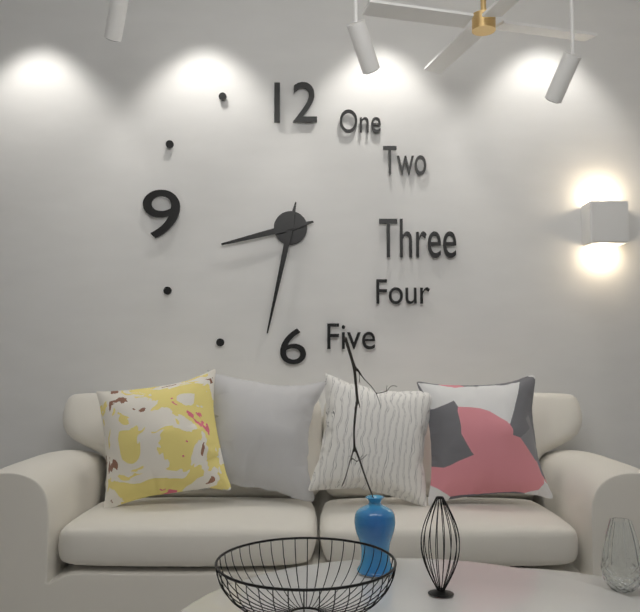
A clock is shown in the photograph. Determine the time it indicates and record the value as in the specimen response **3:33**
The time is **8:32**
